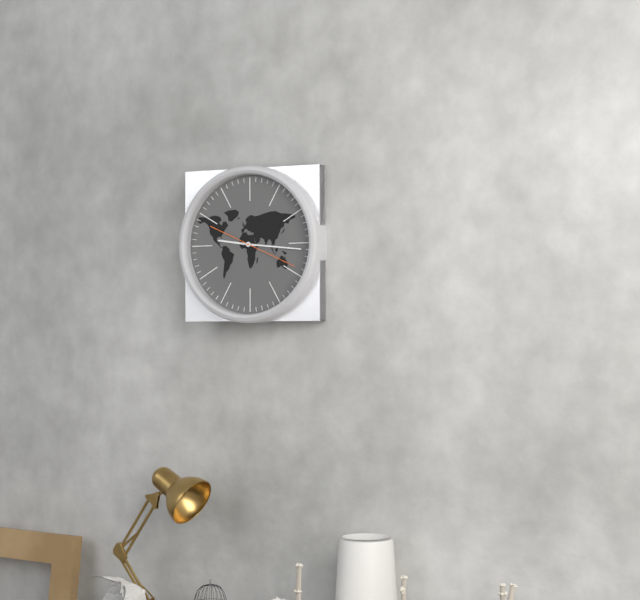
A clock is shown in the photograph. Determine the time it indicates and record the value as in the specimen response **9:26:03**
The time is **9:16:19**
